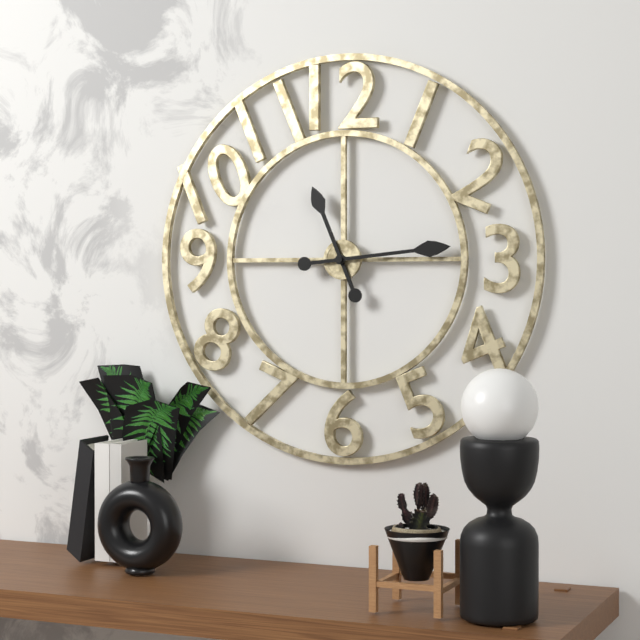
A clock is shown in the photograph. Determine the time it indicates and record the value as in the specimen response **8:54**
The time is **11:14**
